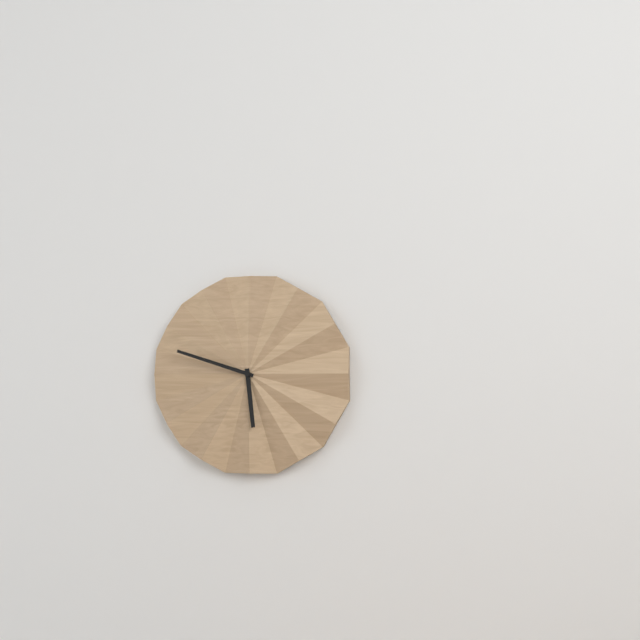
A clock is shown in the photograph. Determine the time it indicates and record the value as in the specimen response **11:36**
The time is **5:48**
